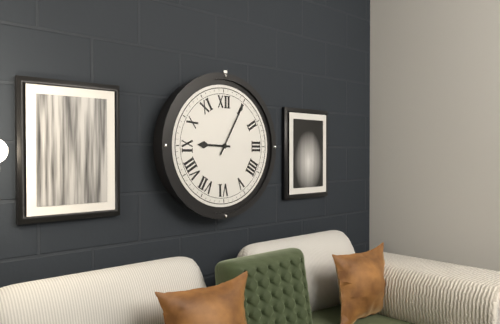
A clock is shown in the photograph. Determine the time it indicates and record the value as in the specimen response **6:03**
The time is **9:05**
